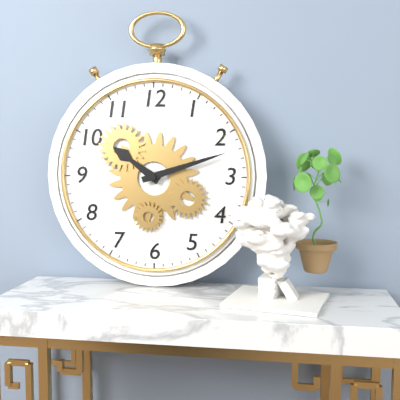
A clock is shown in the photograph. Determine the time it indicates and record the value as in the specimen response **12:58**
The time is **10:12**
